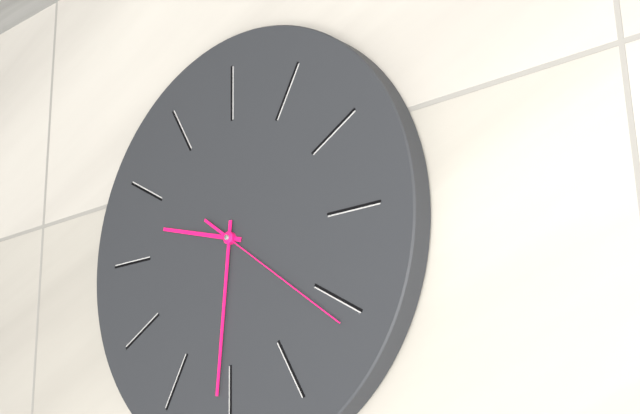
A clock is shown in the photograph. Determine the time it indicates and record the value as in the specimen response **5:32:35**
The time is **9:31:21**
